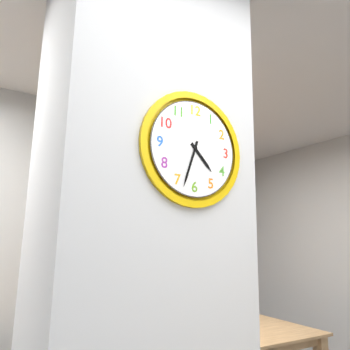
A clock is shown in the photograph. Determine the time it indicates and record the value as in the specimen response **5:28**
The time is **4:33**
